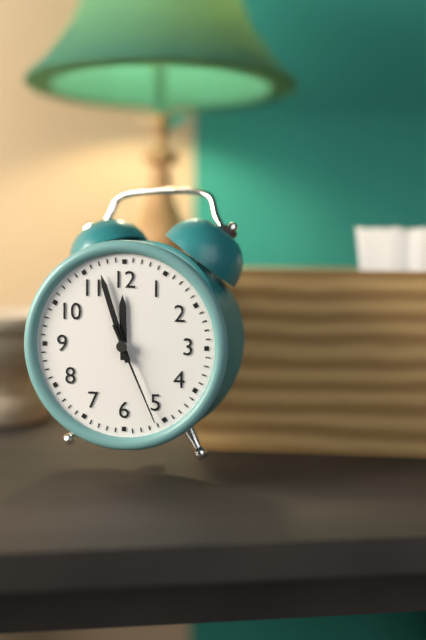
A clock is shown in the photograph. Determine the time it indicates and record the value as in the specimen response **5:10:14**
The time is **11:57:26**
